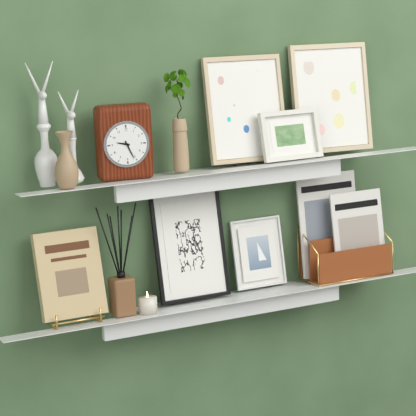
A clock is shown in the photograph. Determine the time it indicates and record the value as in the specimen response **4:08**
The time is **9:26**
